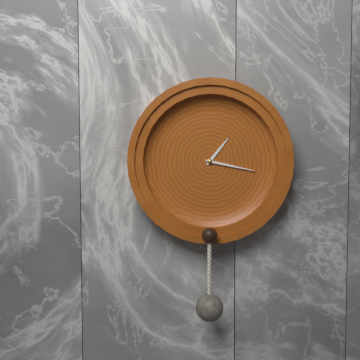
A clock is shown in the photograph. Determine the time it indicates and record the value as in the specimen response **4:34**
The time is **1:17**
